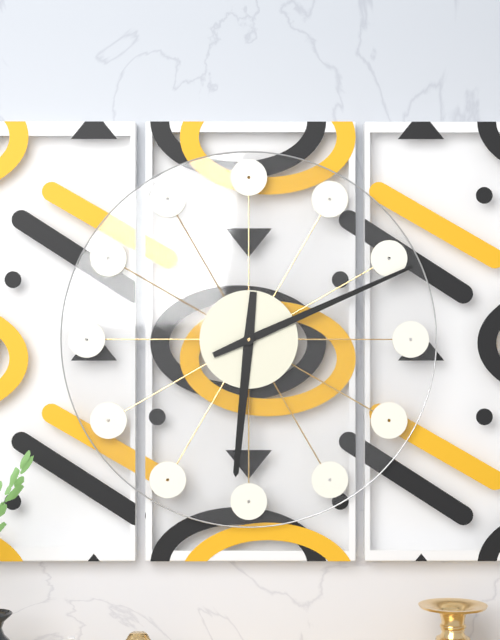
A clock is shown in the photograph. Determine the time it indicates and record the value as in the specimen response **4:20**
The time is **6:11**
